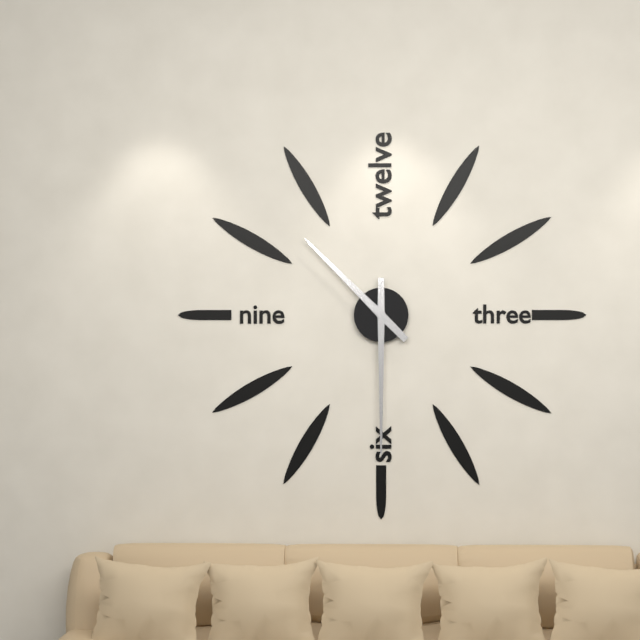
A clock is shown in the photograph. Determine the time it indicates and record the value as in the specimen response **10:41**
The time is **10:30**
